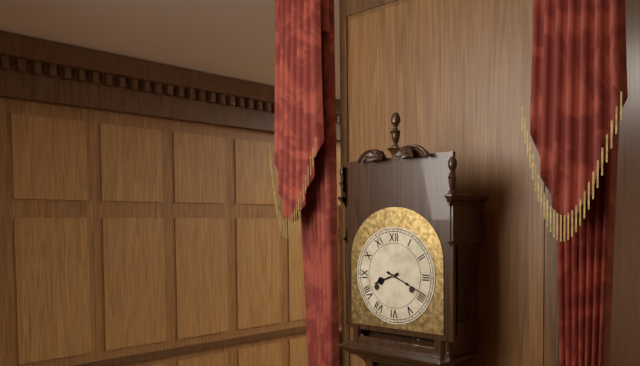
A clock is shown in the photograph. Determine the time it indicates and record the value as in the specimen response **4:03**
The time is **8:19**
